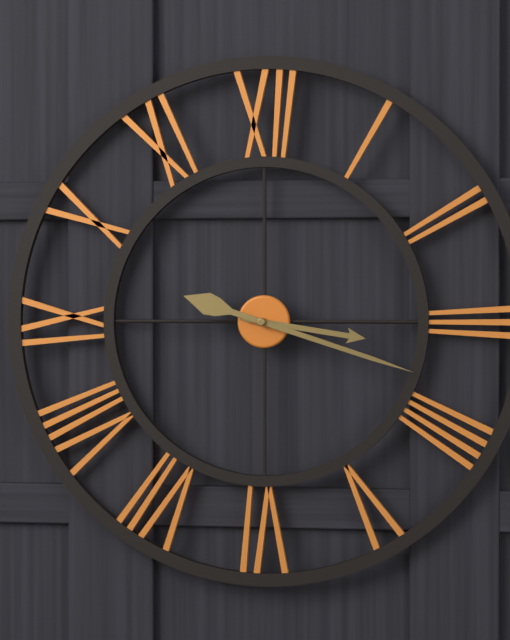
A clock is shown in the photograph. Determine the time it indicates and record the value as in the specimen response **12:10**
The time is **3:18**
